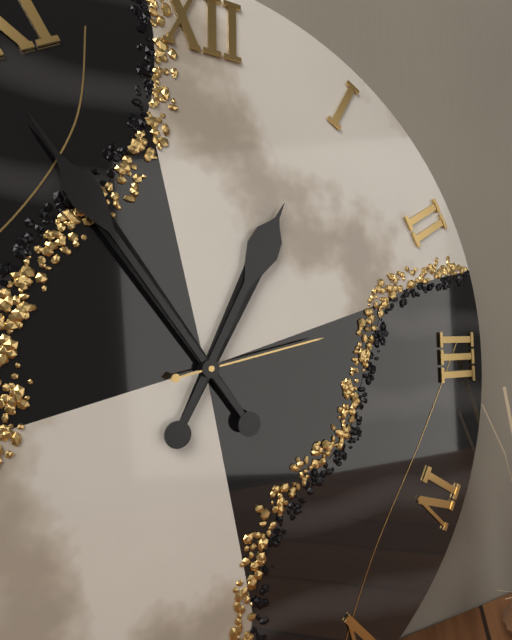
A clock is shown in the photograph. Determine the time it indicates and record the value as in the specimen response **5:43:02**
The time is **12:54:13**
